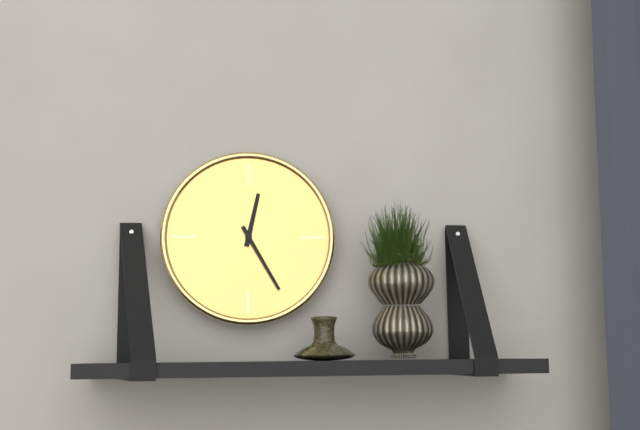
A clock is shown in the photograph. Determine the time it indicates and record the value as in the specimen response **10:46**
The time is **12:25**
